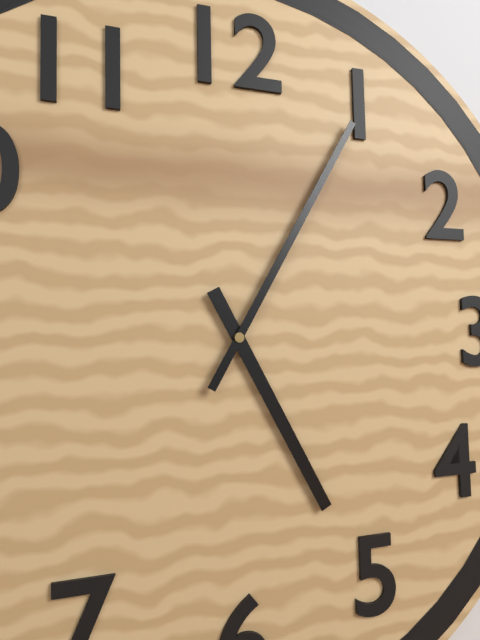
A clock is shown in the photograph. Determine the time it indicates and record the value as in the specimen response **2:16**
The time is **5:05**
